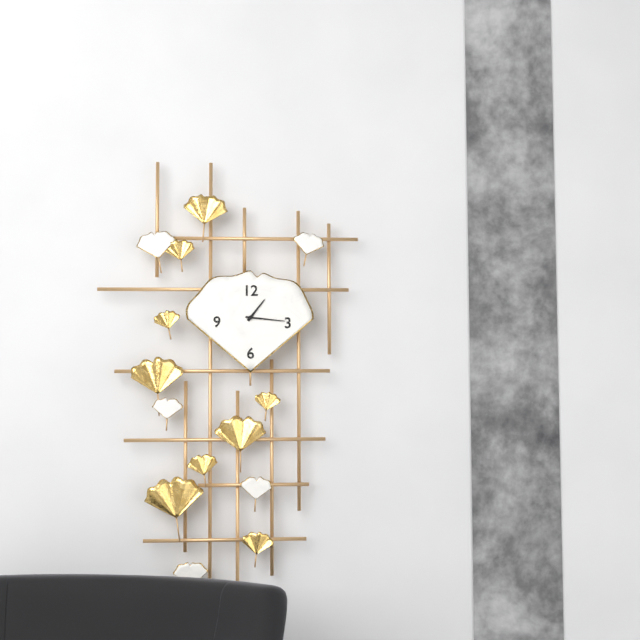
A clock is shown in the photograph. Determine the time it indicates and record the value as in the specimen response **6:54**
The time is **1:16**
